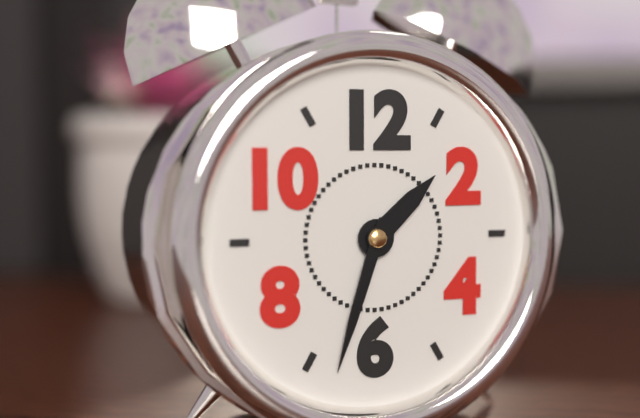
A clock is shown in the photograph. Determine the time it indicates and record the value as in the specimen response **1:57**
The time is **1:33**
